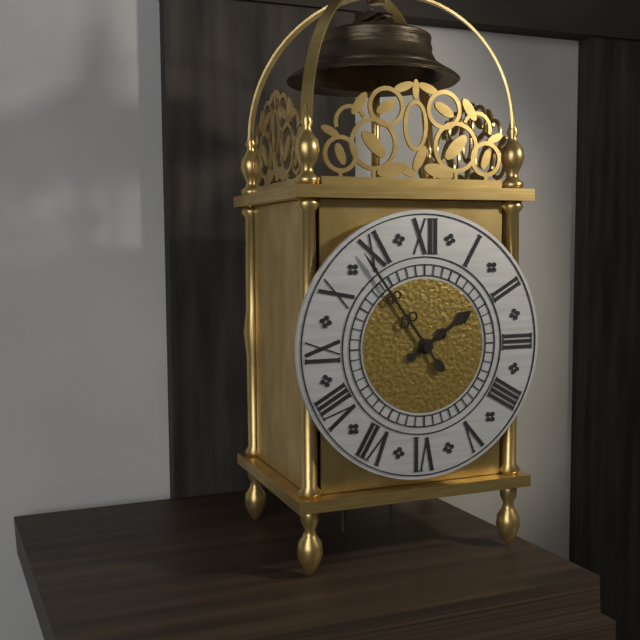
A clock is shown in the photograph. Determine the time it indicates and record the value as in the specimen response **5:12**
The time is **1:54**
